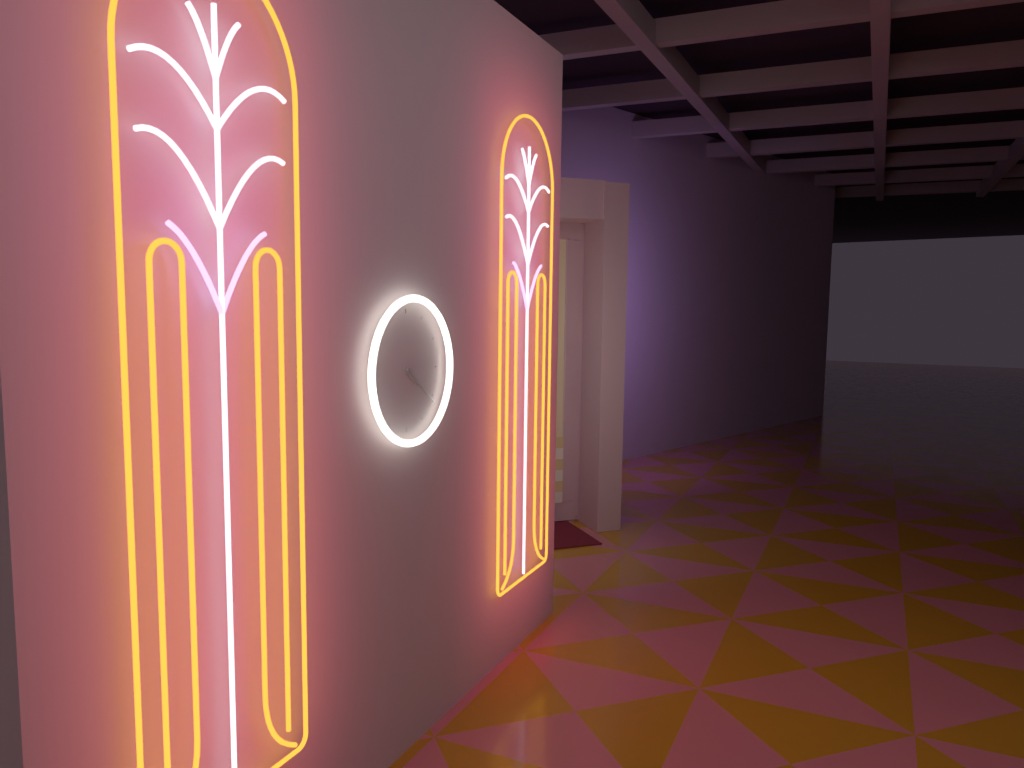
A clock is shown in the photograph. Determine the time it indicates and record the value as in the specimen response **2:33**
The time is **4:21**
